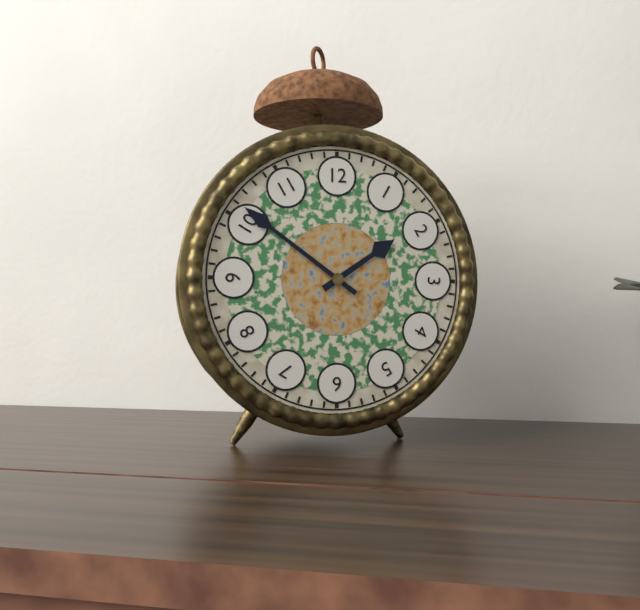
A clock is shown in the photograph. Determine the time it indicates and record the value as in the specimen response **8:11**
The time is **1:51**
